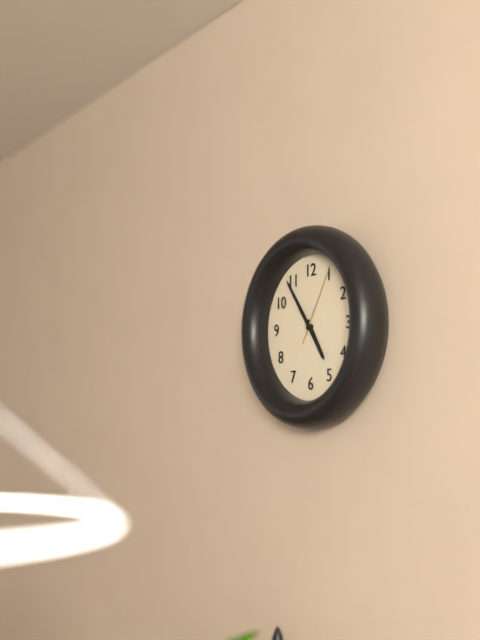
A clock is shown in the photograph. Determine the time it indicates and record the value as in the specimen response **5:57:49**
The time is **4:54:05**
